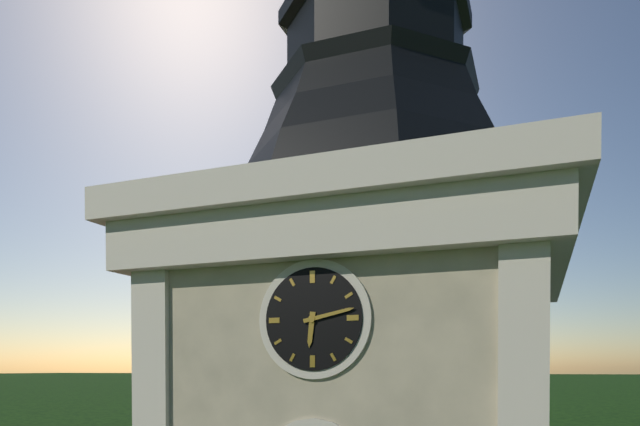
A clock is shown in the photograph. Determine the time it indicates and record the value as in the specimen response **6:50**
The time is **6:13**
